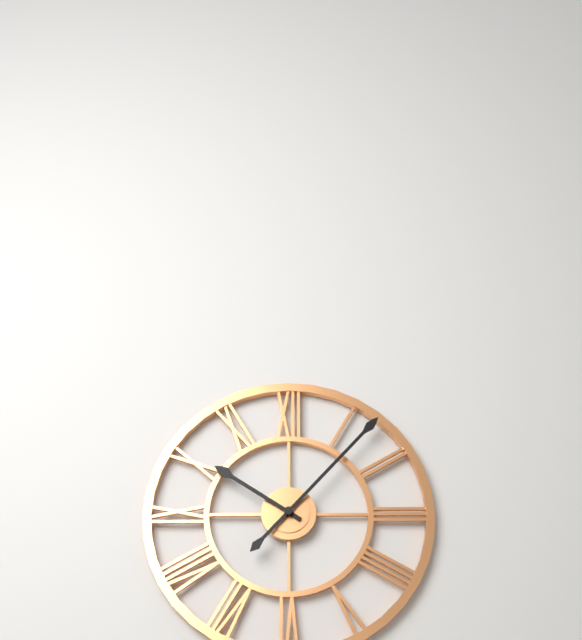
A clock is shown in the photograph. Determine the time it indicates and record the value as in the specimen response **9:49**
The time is **10:07**
